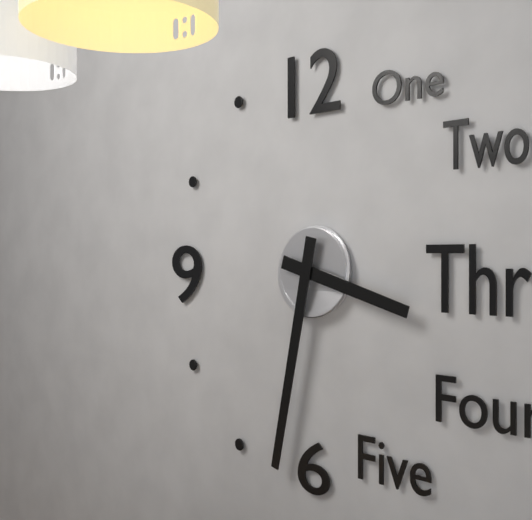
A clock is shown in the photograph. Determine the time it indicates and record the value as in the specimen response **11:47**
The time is **3:32**
